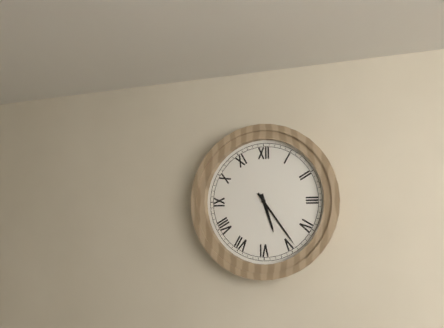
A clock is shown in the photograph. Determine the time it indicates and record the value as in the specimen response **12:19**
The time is **5:24**
